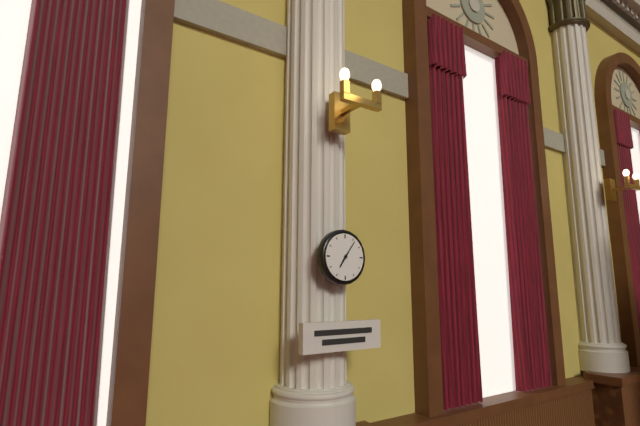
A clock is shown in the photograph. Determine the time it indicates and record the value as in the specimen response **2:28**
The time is **7:06**
